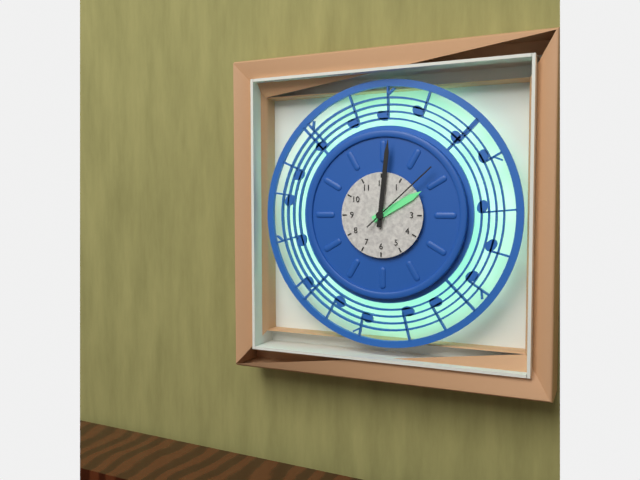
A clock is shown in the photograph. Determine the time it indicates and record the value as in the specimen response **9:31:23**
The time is **2:01:08**
